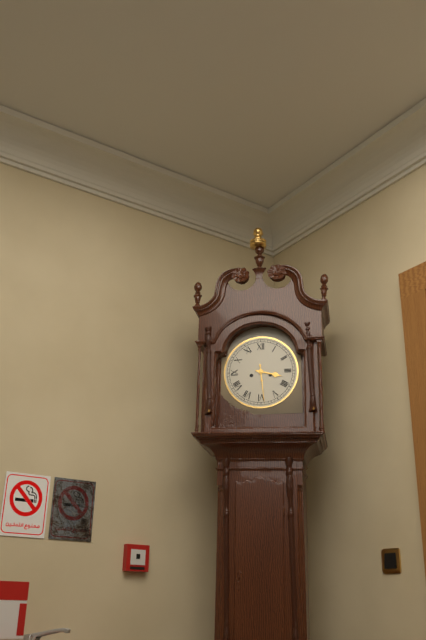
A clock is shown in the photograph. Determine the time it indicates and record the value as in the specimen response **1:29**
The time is **3:29**
